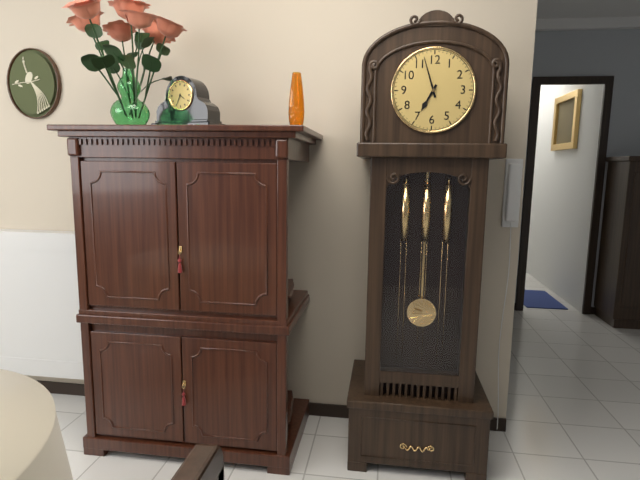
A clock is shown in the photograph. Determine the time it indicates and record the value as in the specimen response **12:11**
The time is **6:57**
